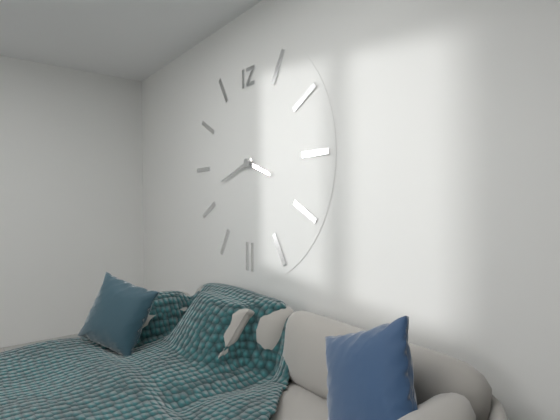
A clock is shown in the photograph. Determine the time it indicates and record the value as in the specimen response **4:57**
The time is **3:42**
